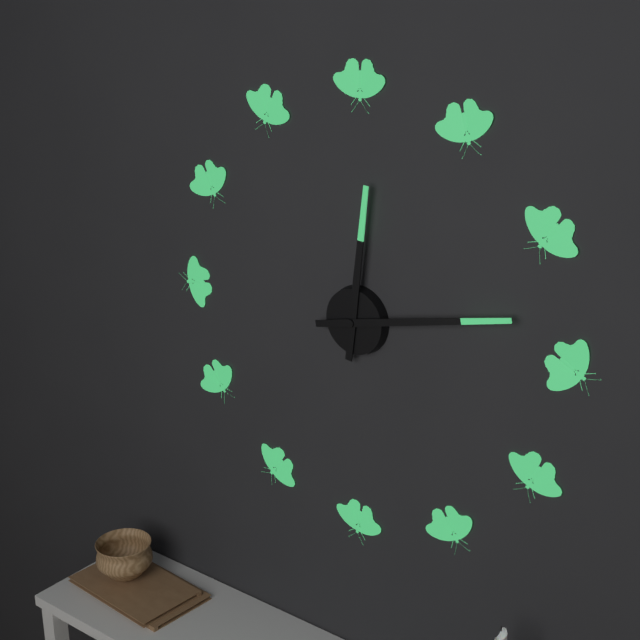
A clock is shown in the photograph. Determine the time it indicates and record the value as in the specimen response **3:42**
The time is **12:13**
